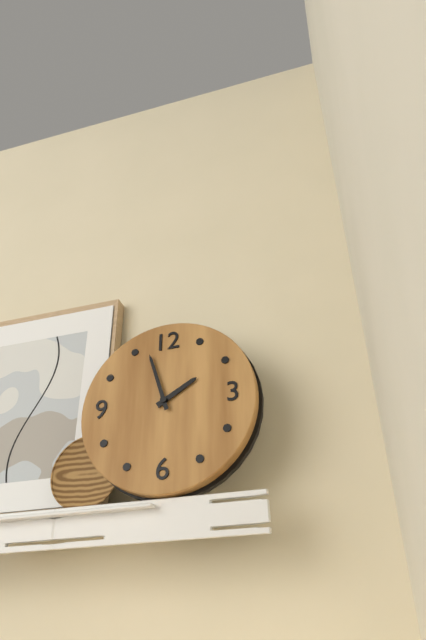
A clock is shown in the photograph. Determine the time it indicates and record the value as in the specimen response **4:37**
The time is **1:57**
